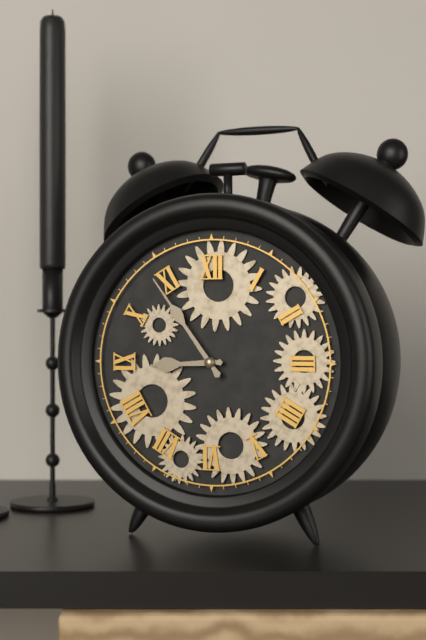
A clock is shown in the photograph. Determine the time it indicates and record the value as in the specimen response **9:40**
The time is **8:54**
